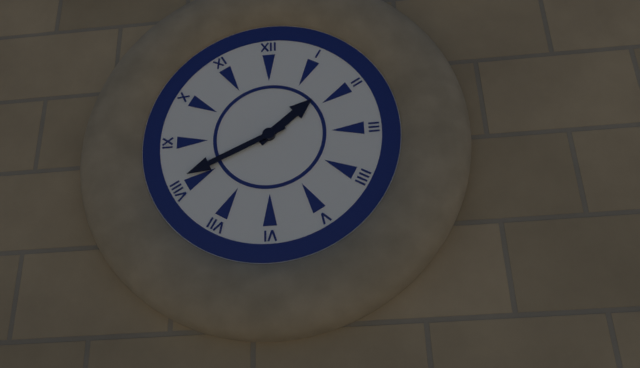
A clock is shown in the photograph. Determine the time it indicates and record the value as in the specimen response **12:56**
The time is **1:41**
